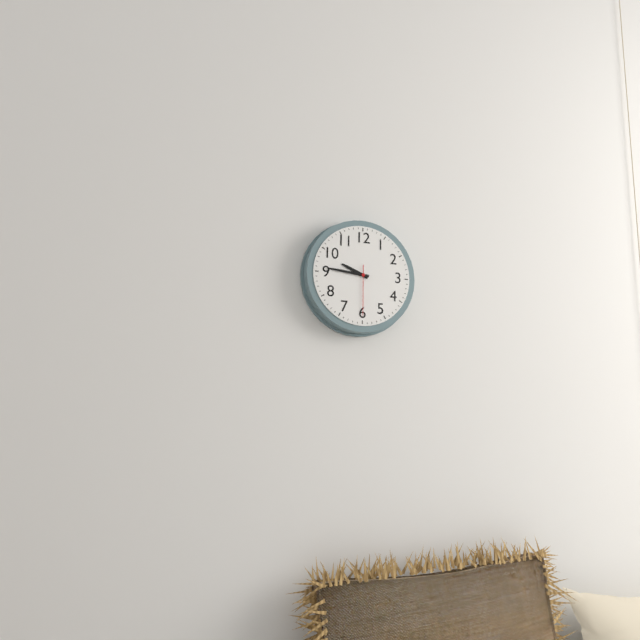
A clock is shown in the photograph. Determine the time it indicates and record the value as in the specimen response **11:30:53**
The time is **9:46:30**
